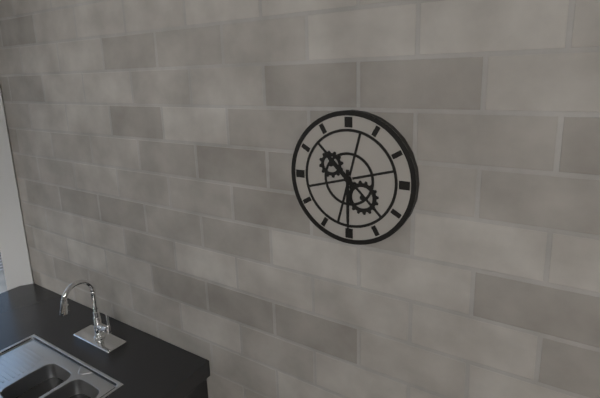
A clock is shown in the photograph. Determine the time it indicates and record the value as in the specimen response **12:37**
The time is **10:30**
